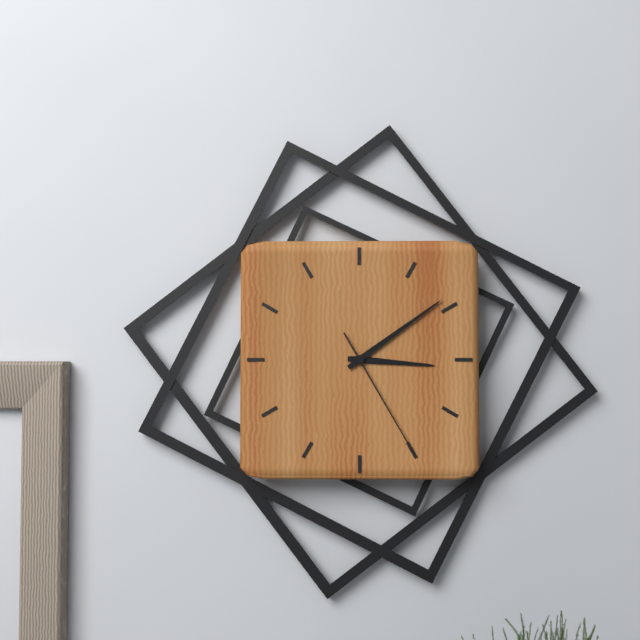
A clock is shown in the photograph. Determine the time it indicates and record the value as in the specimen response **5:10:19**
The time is **3:09:25**
